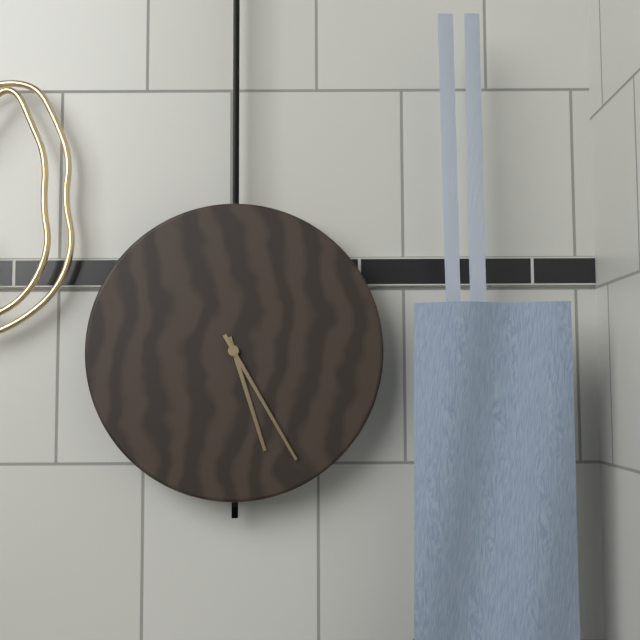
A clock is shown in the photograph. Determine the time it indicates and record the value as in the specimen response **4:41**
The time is **5:25**
